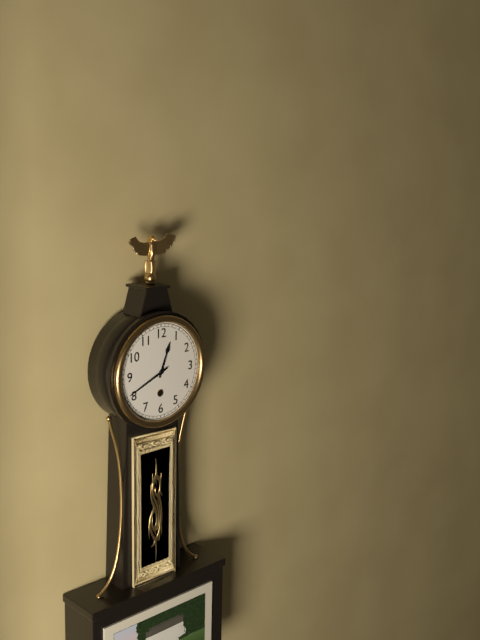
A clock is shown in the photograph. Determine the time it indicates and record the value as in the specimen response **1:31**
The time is **12:41**
